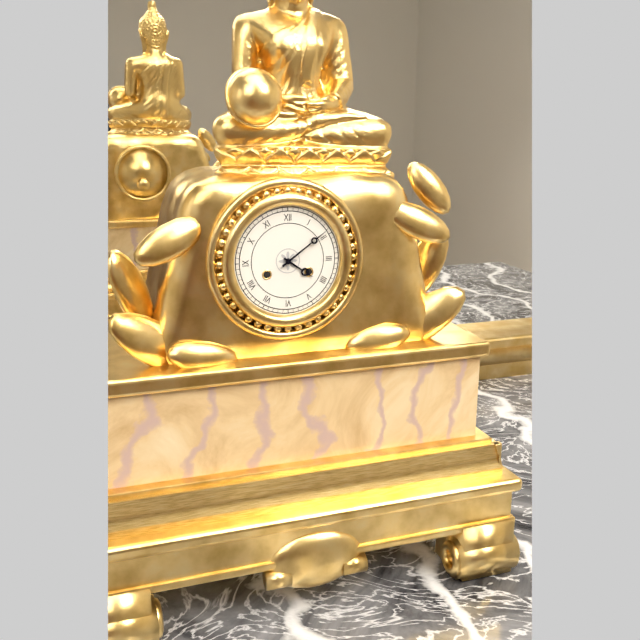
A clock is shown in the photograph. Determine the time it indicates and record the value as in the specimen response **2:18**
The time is **4:09**
